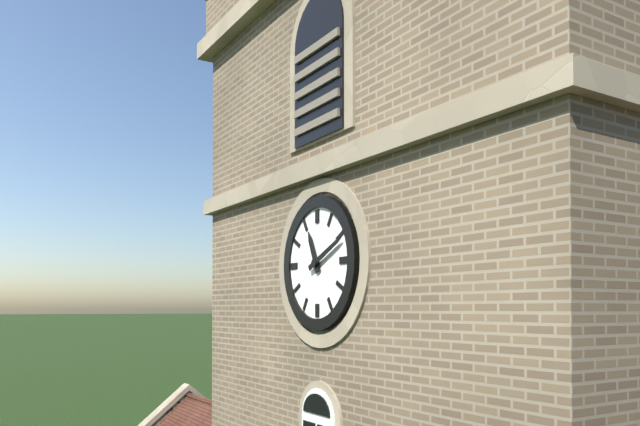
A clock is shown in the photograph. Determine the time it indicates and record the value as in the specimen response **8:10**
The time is **11:11**
